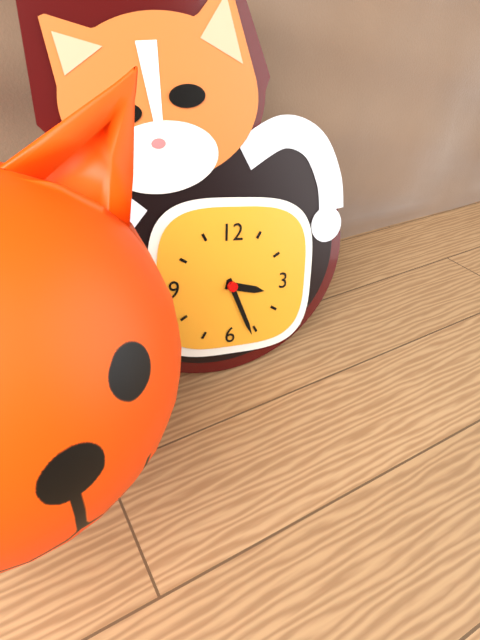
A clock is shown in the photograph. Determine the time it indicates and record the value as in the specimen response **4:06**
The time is **3:26**
